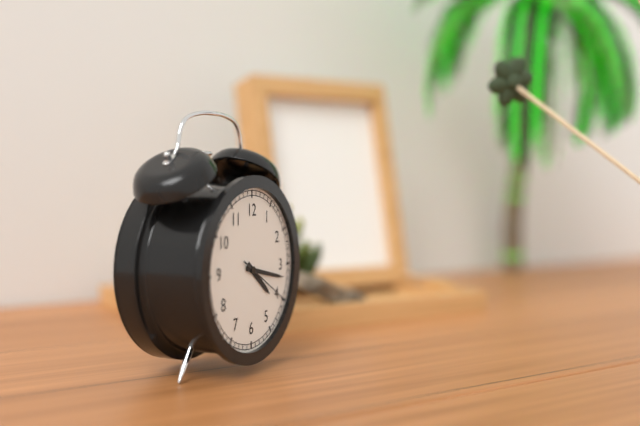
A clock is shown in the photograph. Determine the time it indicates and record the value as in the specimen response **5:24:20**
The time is **4:17:20**
